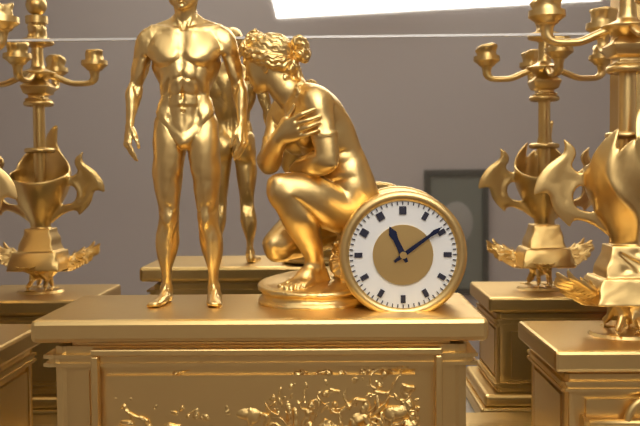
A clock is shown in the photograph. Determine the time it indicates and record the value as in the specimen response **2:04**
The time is **11:09**
